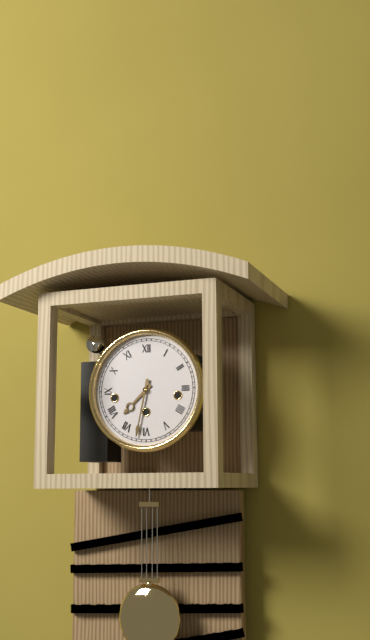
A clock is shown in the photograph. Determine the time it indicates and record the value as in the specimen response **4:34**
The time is **7:32**
